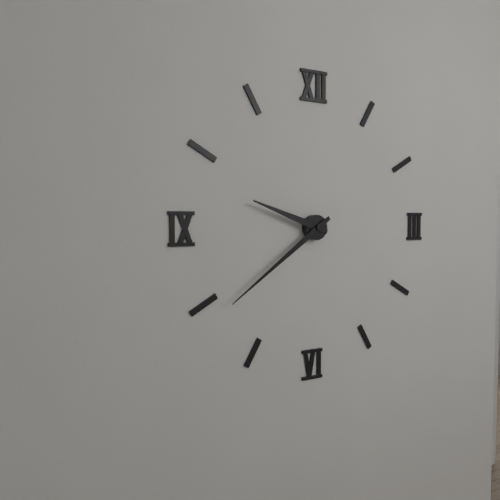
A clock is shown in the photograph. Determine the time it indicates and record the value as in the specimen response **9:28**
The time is **9:39**
